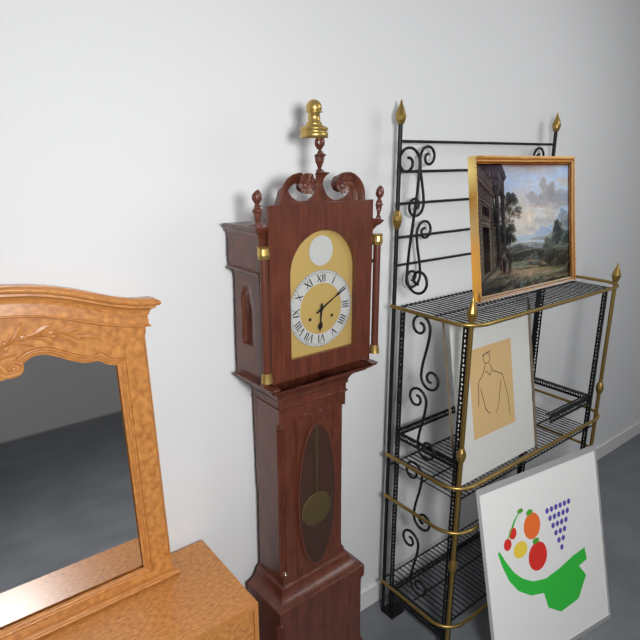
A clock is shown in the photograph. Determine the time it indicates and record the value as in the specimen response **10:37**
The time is **6:10**
